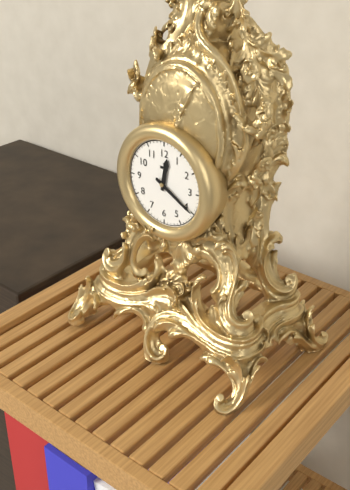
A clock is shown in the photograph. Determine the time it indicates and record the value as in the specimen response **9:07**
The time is **12:20**
